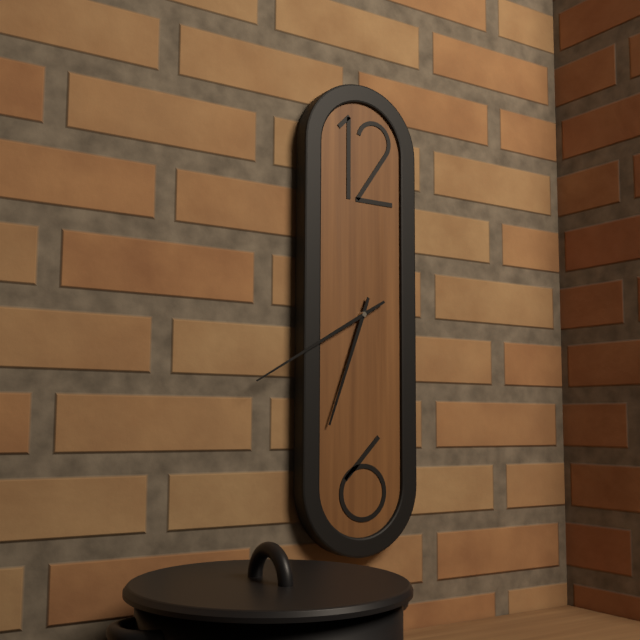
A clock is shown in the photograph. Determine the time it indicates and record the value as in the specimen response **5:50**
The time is **6:40**
